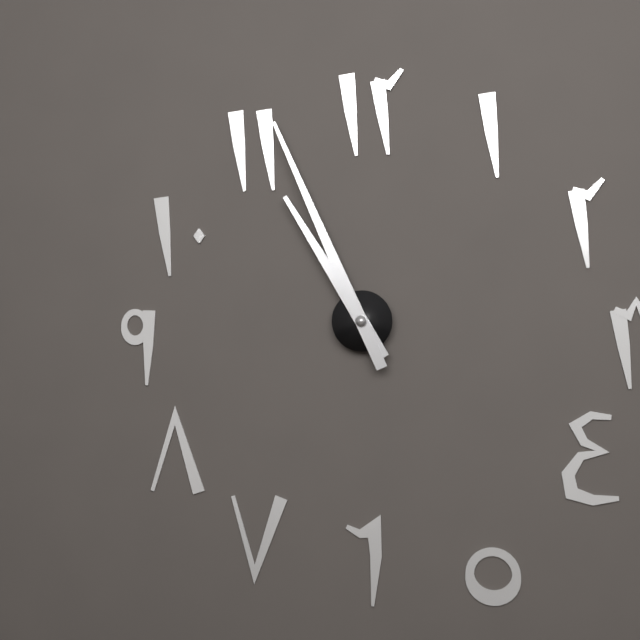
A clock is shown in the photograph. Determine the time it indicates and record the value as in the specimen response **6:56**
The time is **10:56**
